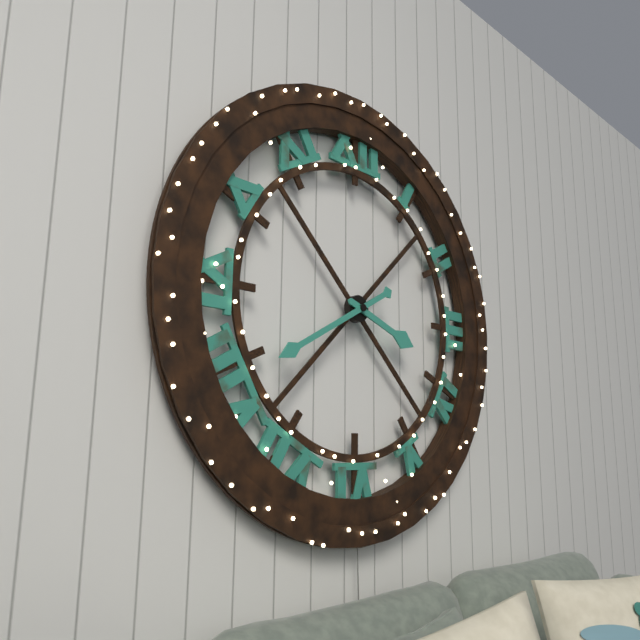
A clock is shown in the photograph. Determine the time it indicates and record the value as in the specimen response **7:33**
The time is **3:40**
